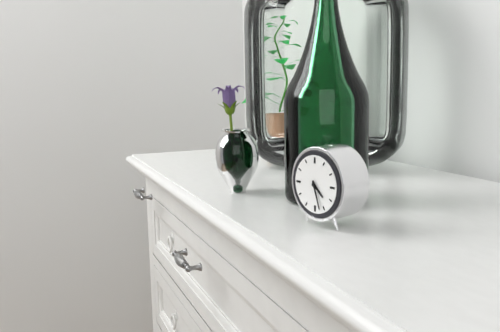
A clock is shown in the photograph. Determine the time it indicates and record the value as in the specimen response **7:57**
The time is **4:27**
